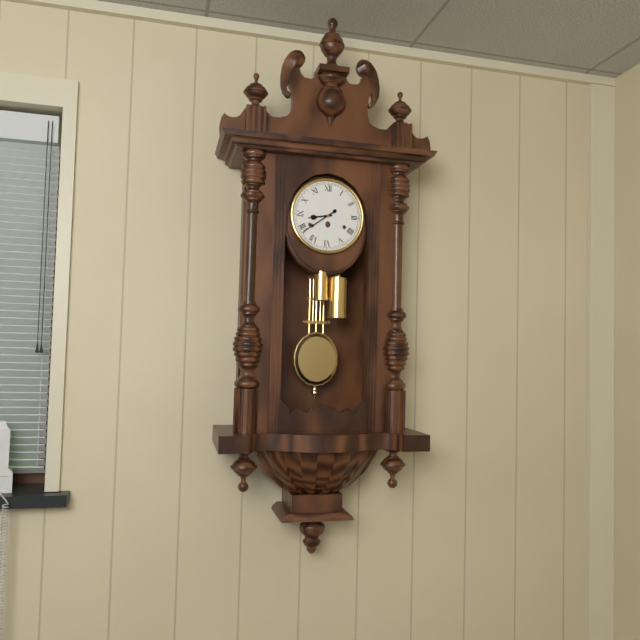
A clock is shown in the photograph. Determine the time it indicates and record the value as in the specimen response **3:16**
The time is **8:39**
